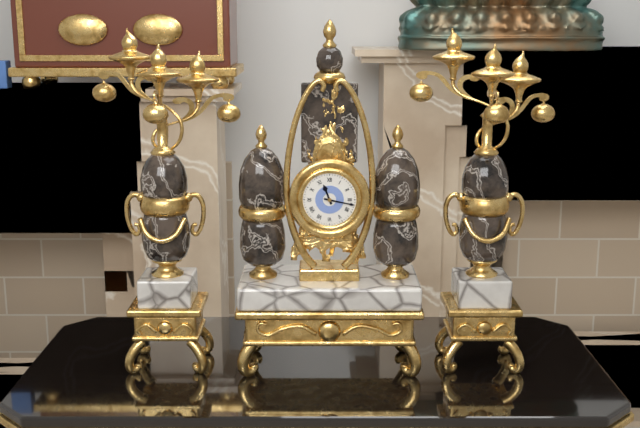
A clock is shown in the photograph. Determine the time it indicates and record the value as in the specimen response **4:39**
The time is **11:17**
